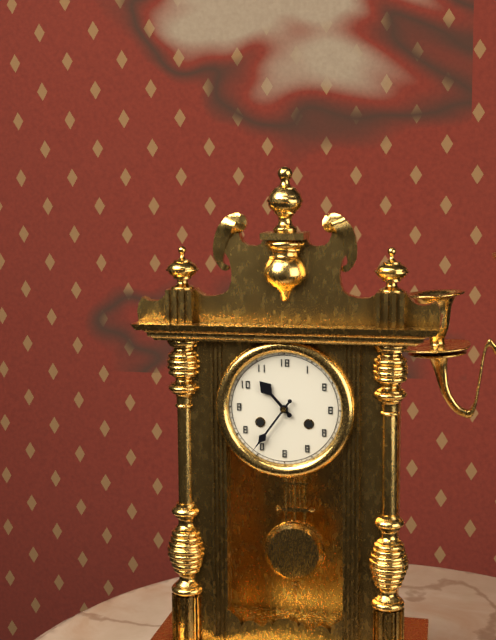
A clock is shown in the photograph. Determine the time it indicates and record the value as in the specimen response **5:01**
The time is **10:36**
